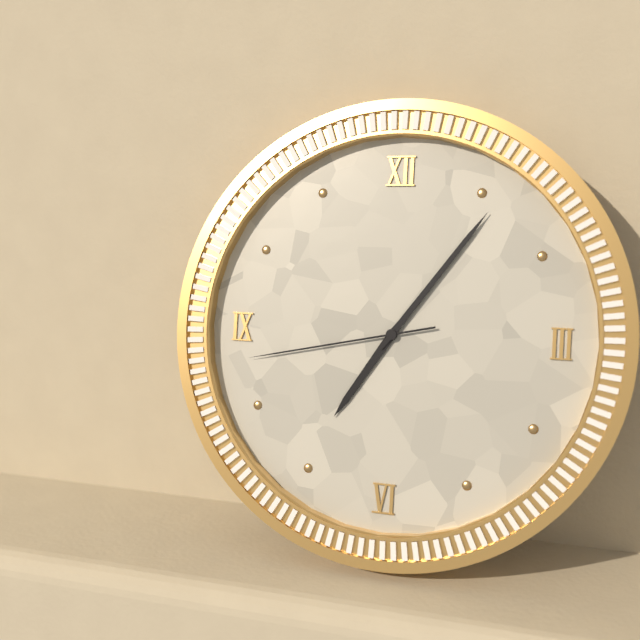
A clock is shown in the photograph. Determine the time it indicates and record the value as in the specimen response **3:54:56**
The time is **7:06:43**
